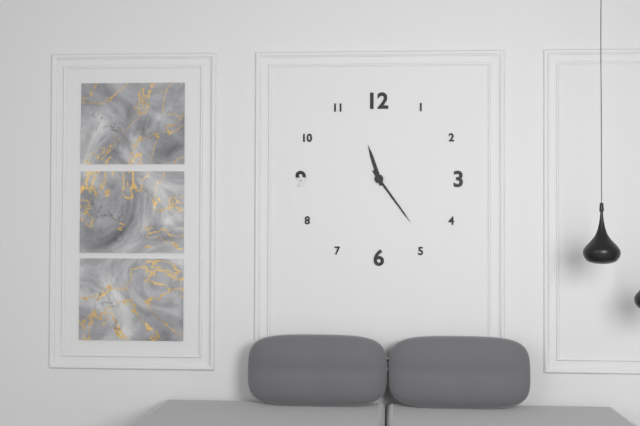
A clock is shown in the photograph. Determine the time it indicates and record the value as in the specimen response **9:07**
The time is **11:24**
